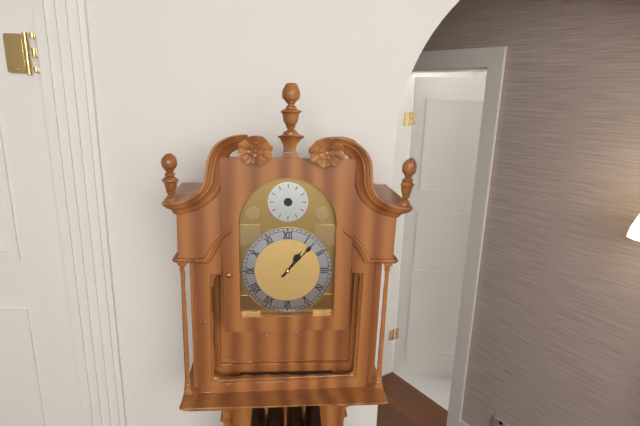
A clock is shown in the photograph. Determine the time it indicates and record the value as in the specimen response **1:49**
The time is **1:07**
